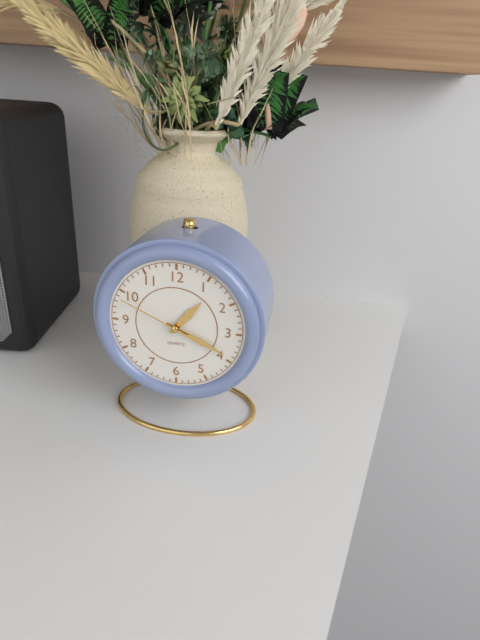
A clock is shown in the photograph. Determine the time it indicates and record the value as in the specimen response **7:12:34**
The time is **1:19:49**
